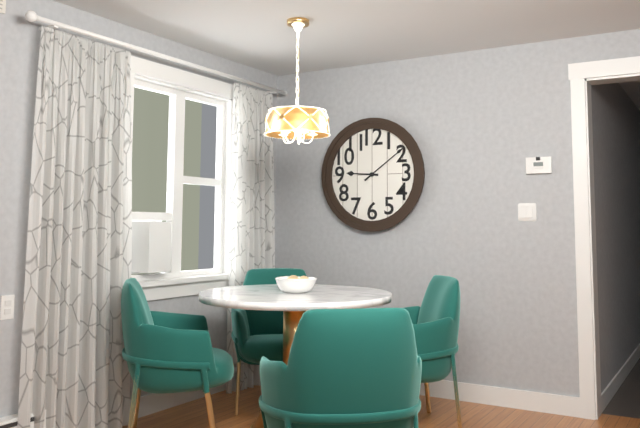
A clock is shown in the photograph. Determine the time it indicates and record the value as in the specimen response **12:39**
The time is **9:09**
